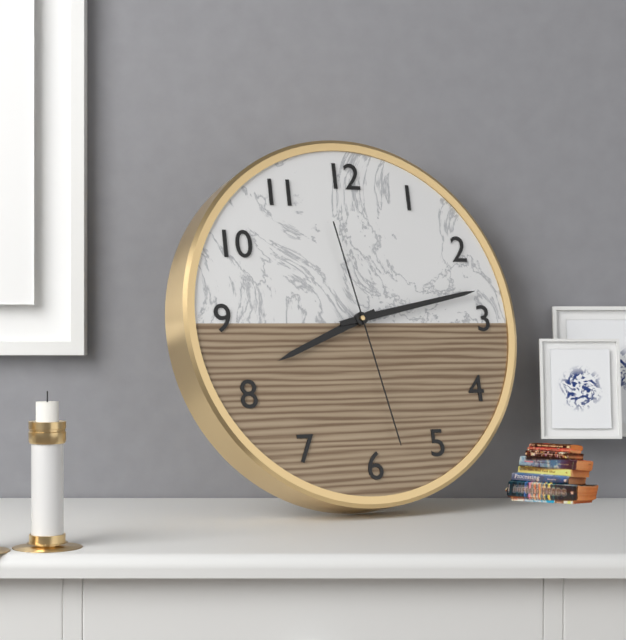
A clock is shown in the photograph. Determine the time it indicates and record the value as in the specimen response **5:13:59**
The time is **8:13:28**
